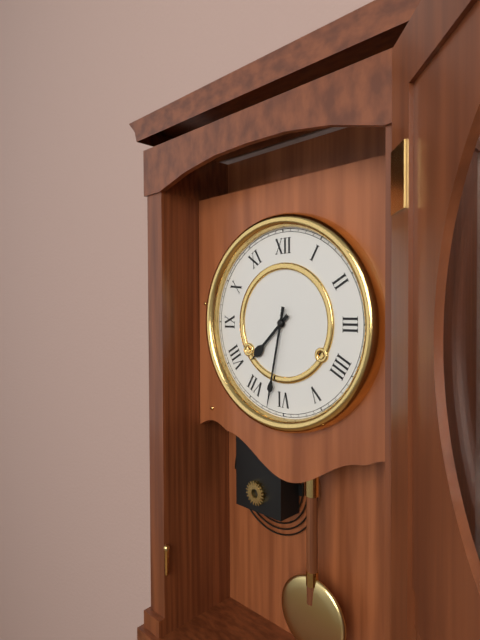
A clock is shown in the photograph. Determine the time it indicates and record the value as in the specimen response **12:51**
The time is **7:32**
